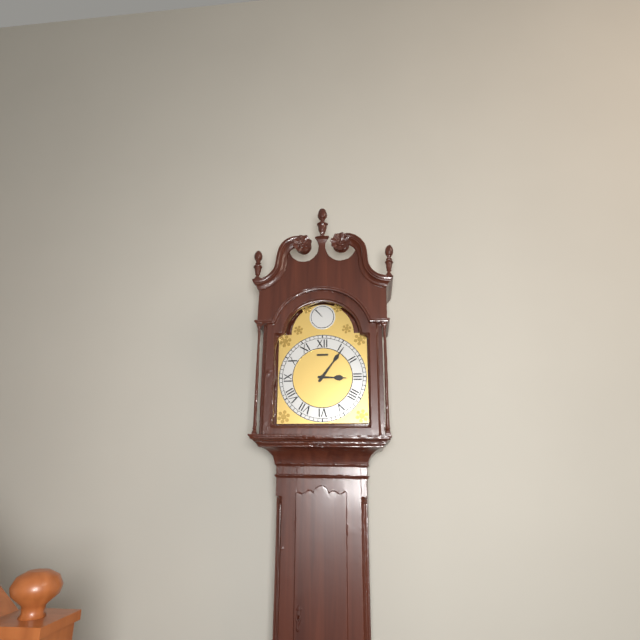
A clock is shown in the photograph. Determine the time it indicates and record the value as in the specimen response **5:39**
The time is **3:06**
